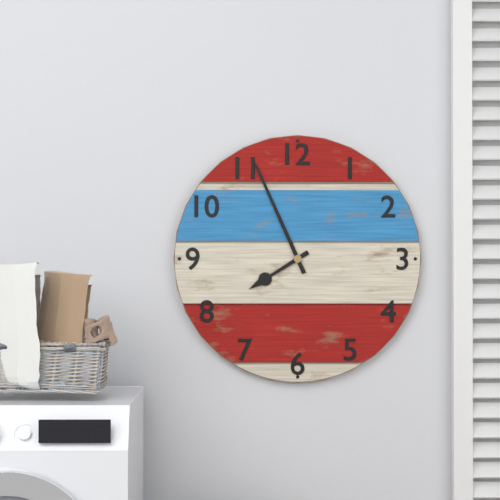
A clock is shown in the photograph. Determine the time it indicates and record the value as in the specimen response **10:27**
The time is **7:56**
